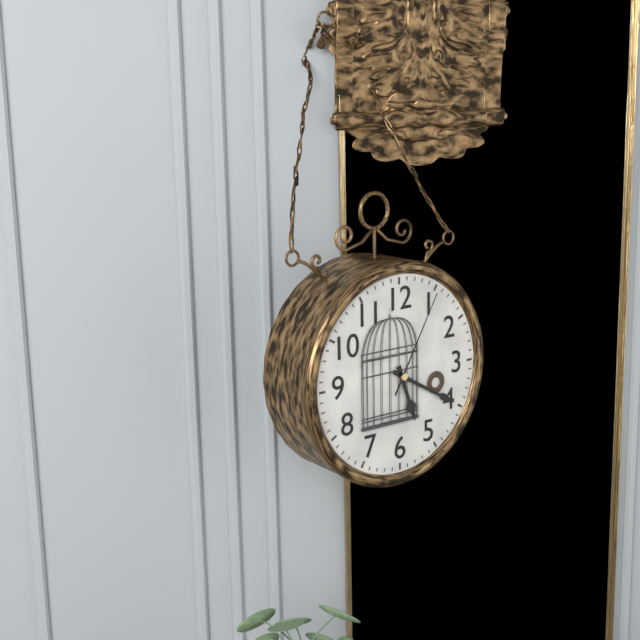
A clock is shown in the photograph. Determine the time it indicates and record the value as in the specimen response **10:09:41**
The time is **5:20:05**
